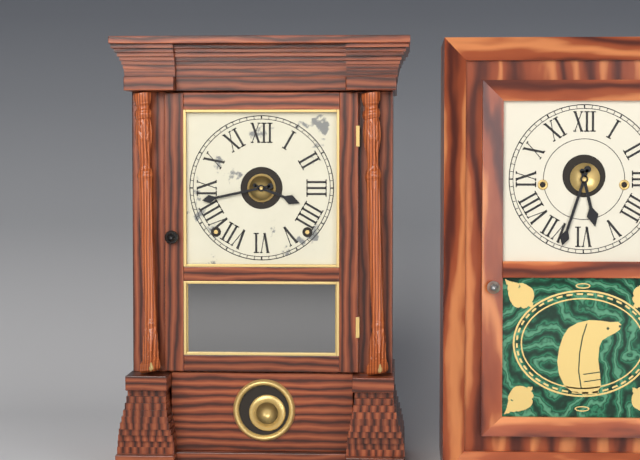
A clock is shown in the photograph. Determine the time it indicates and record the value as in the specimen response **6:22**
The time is **3:43**
